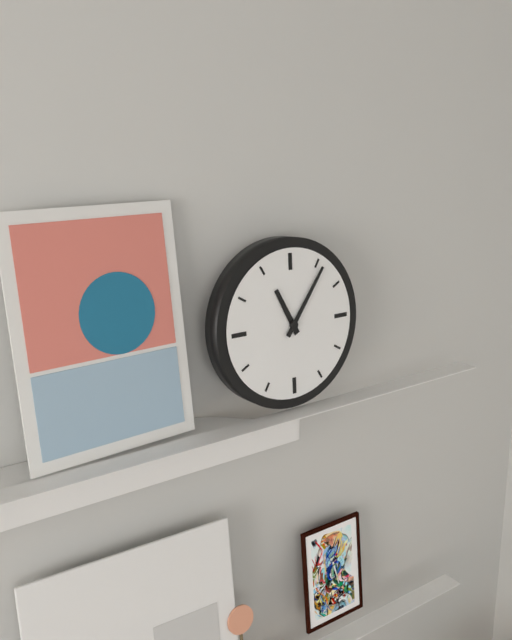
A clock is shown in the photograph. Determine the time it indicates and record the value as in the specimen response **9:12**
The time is **11:06**
